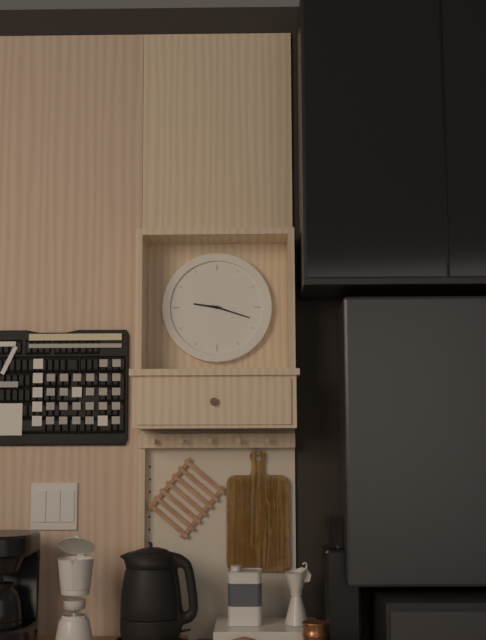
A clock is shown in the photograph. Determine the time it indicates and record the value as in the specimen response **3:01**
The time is **9:18**
